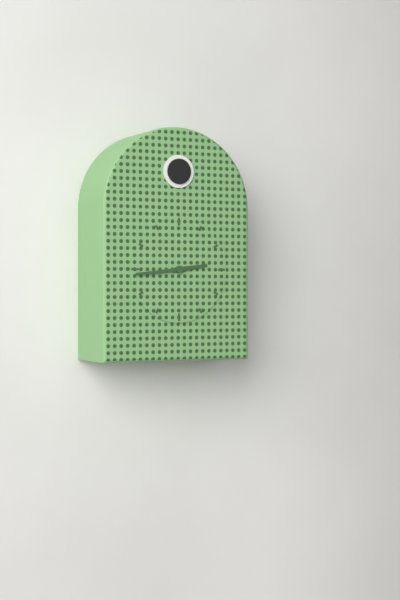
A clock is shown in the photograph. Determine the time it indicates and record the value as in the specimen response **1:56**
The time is **2:44**
